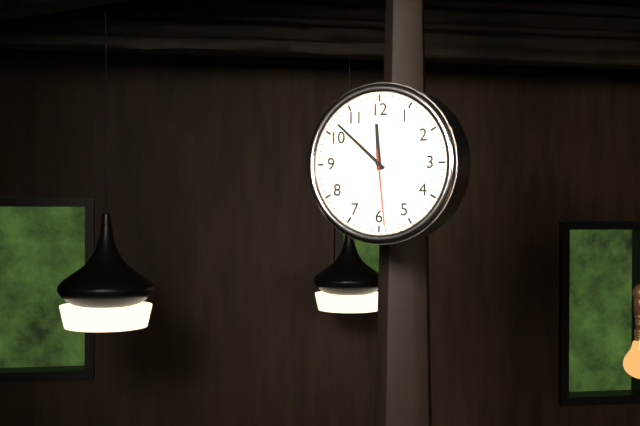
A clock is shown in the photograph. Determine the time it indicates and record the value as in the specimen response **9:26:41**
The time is **11:52:29**
